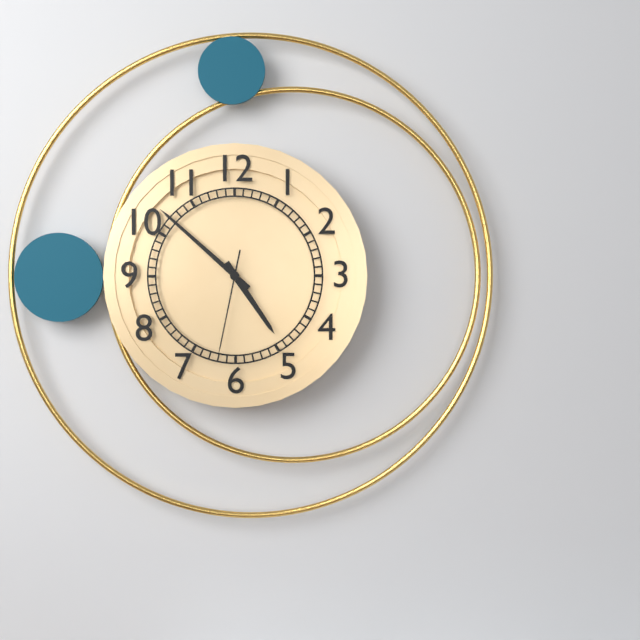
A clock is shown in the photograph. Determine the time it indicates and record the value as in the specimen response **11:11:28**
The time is **4:52:32**
